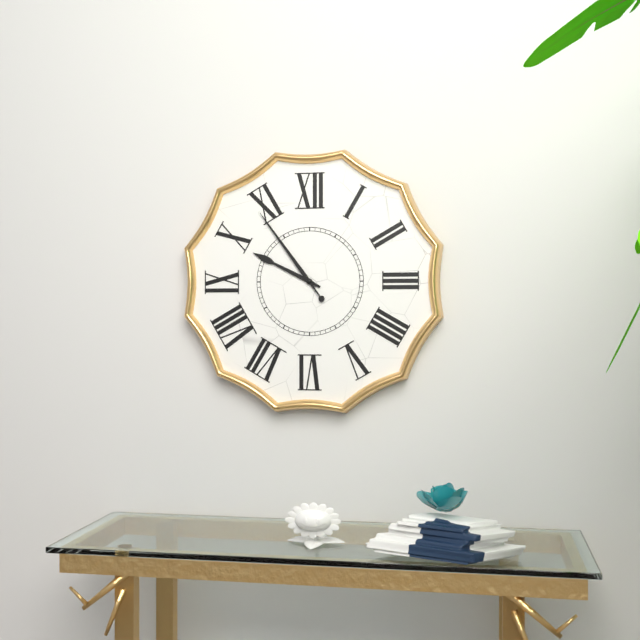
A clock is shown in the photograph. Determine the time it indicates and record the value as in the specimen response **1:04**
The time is **9:54**
